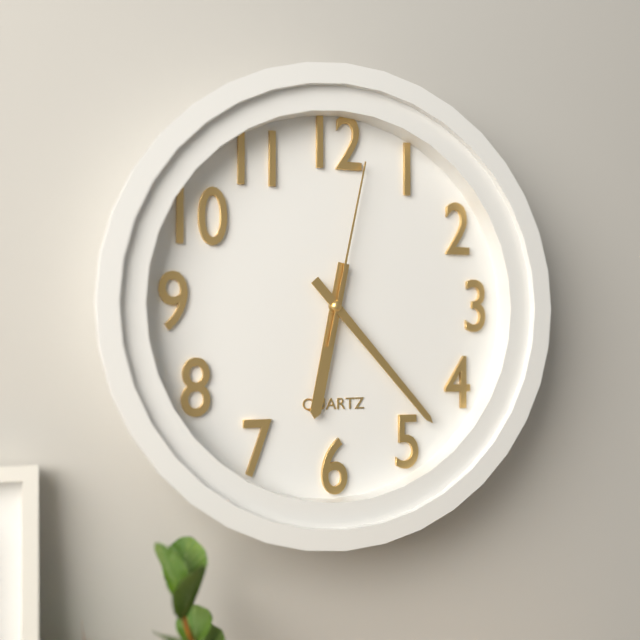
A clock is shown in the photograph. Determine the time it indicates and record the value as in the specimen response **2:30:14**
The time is **6:23:02**
